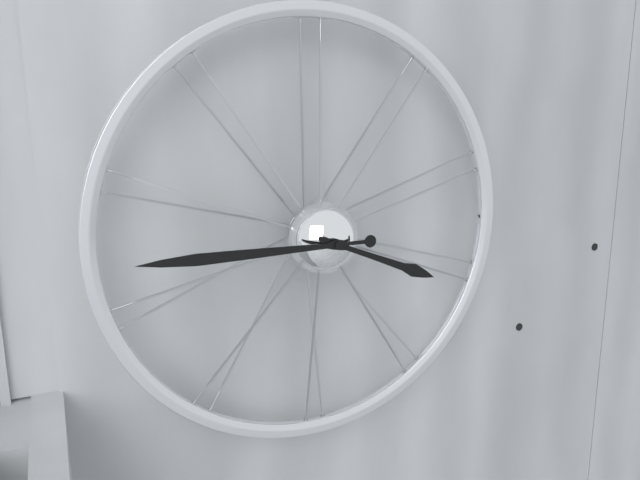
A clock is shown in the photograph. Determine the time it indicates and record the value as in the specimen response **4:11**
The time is **3:45**
